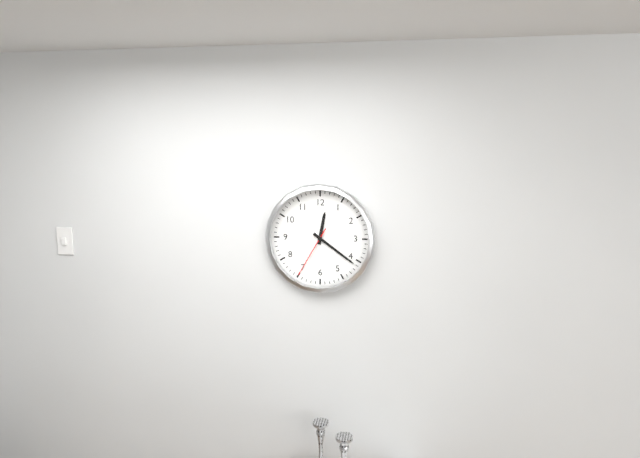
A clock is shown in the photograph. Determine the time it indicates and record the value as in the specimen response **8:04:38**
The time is **12:21:35**
